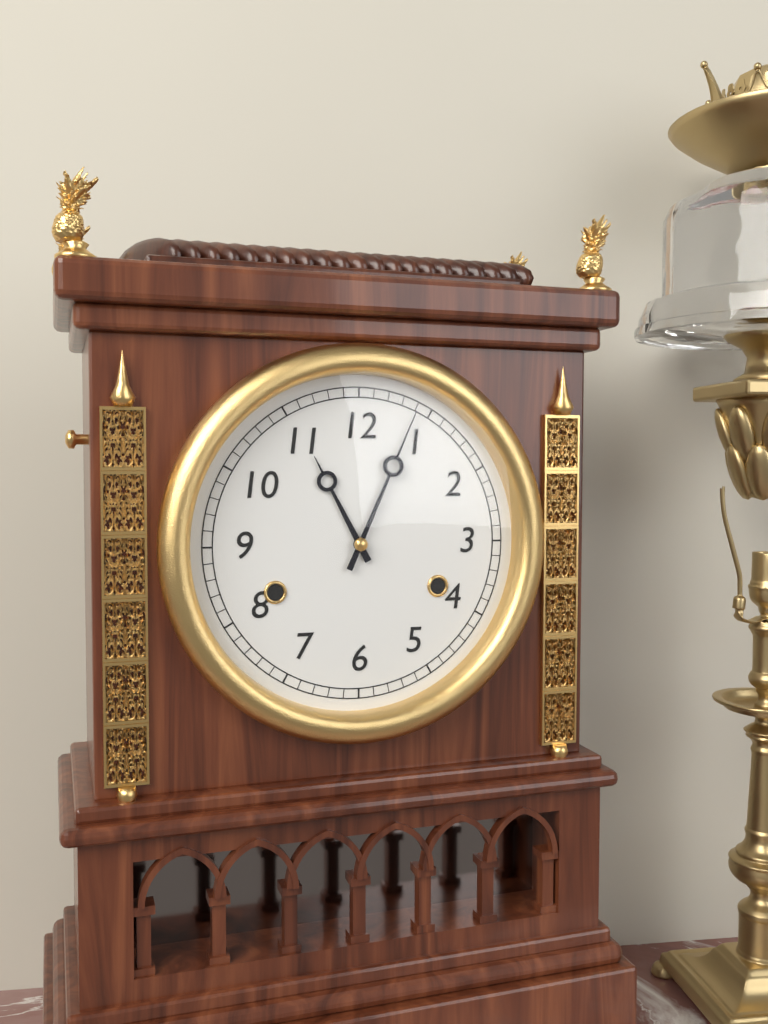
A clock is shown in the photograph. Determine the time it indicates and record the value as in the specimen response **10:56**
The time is **11:04**
